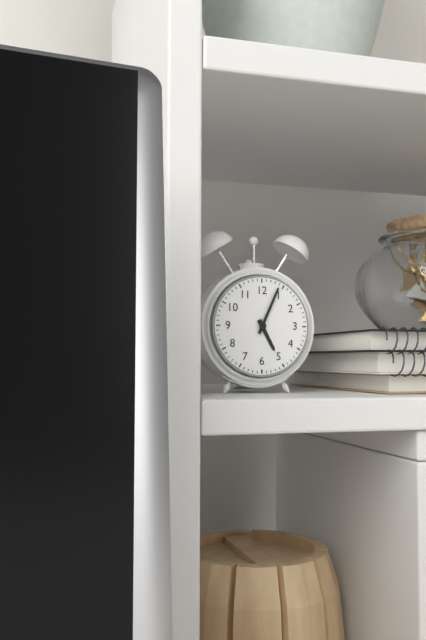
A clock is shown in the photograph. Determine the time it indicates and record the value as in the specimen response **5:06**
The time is **5:04**
